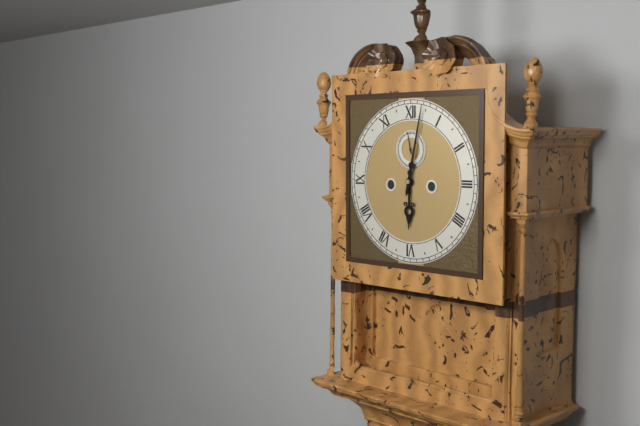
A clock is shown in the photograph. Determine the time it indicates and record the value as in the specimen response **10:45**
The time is **6:02**
